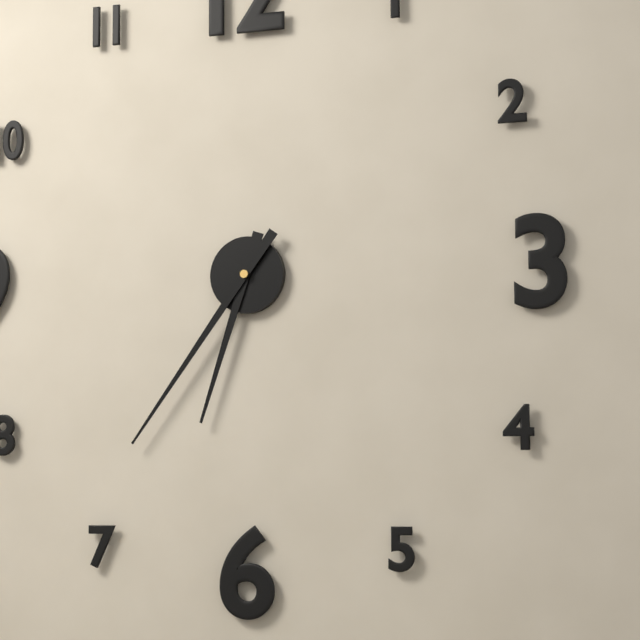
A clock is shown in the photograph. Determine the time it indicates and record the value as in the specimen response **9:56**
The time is **6:36**
